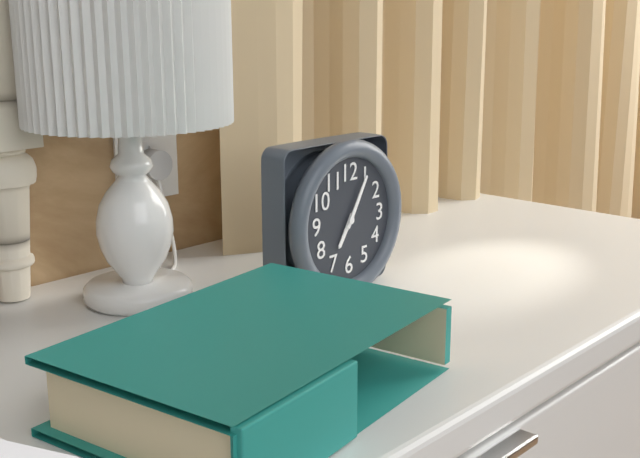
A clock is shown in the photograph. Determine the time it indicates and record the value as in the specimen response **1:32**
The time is **7:05**
